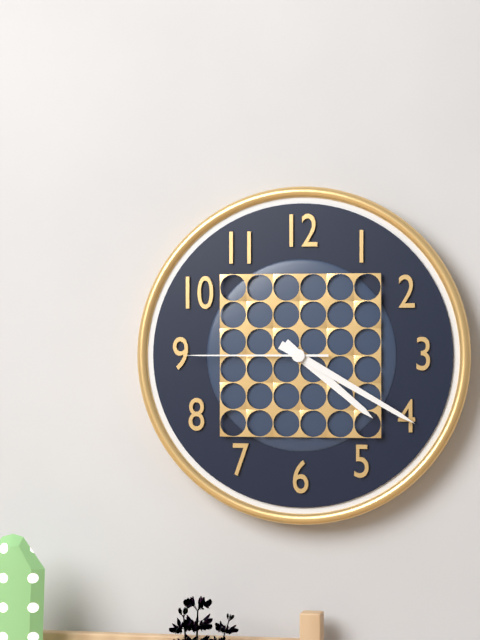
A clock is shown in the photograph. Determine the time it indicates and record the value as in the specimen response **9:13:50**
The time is **4:20:45**
